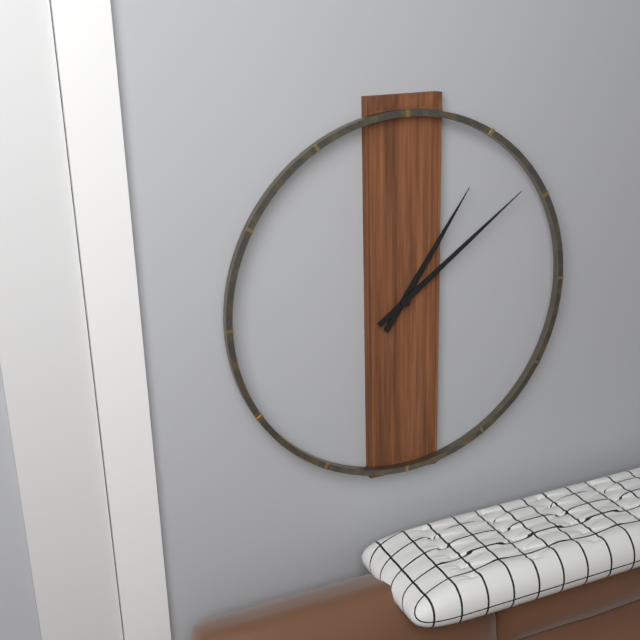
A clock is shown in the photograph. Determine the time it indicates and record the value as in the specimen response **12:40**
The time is **1:09**
